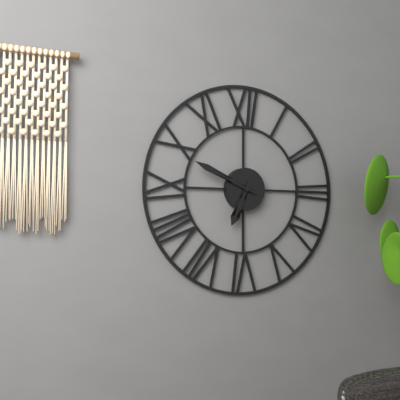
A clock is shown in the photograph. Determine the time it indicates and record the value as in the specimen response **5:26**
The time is **6:49**
